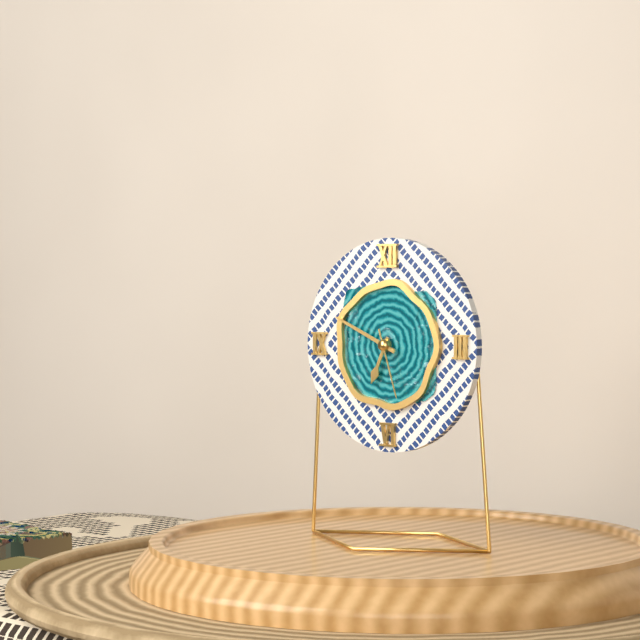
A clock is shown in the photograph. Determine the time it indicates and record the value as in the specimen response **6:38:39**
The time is **6:49:27**
